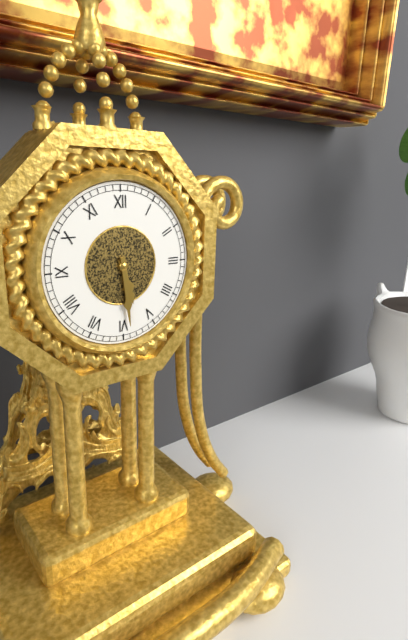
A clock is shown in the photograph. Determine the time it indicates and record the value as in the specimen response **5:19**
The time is **5:29**
